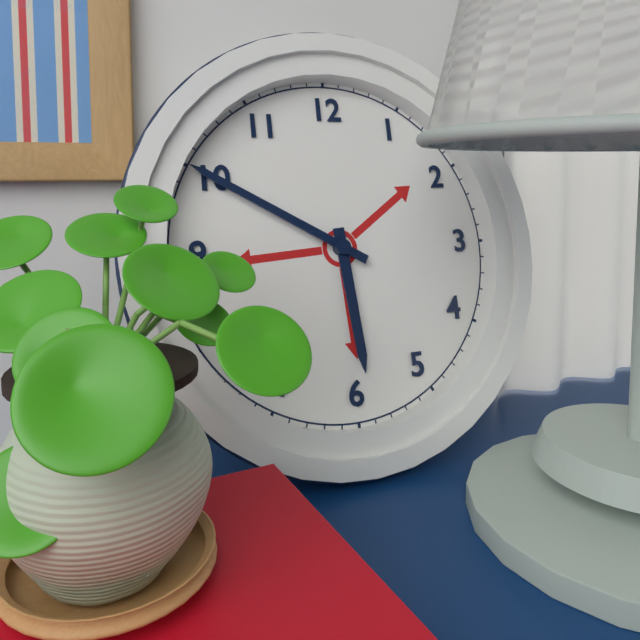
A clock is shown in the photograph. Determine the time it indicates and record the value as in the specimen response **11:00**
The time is **5:50**
